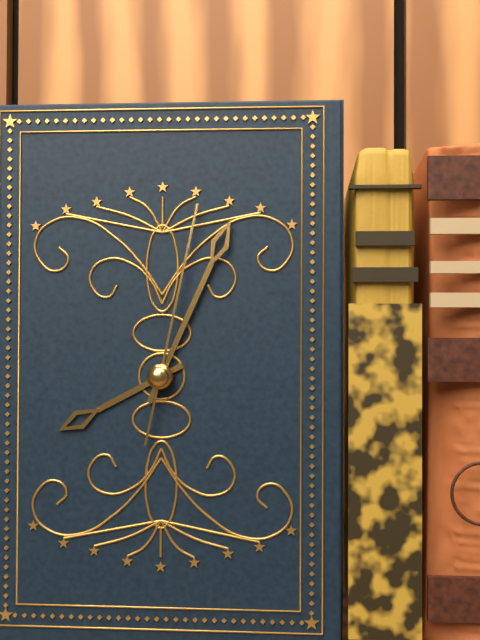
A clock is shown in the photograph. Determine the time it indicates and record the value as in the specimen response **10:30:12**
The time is **8:04:02**
